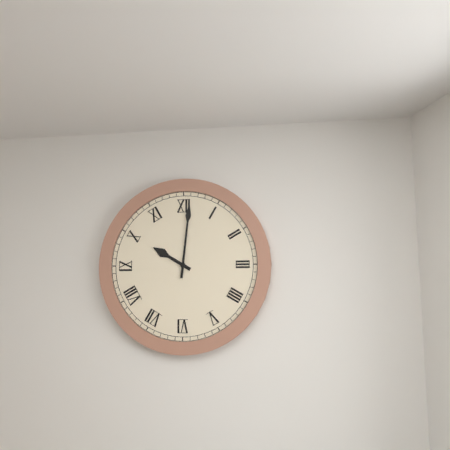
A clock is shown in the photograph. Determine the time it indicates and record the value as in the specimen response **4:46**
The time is **10:01**
